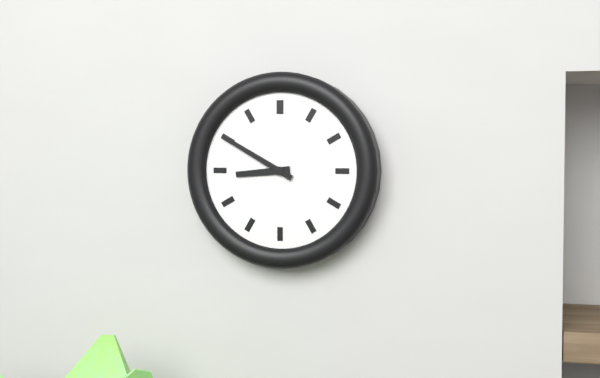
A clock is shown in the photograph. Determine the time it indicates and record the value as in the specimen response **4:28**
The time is **8:50**
